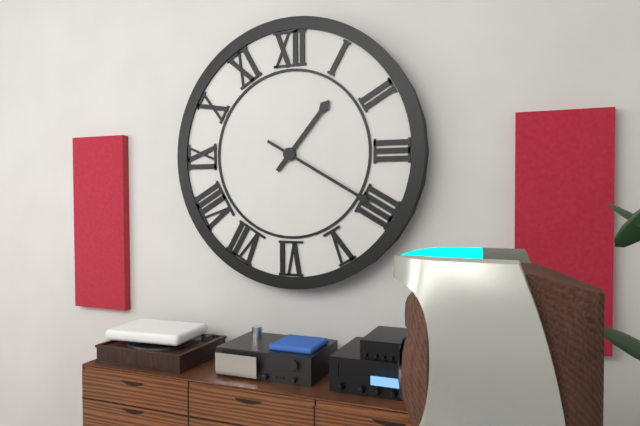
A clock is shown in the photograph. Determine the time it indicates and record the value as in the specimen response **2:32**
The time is **1:20**
